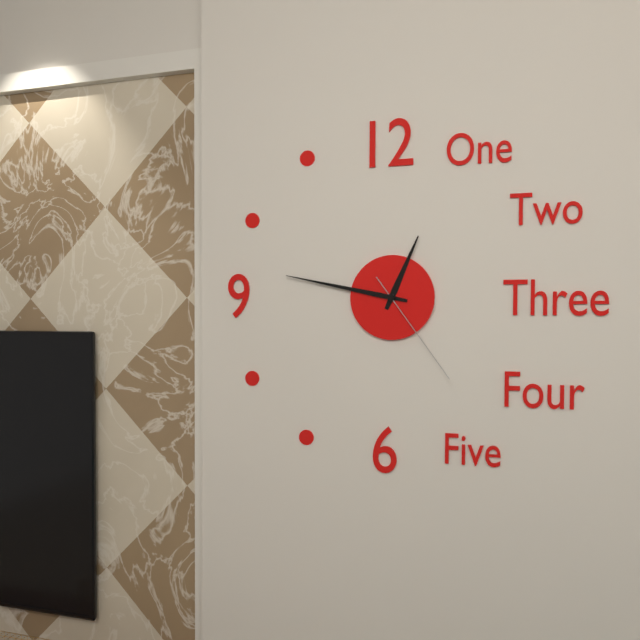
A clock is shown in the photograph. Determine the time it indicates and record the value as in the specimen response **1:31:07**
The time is **12:47:24**
